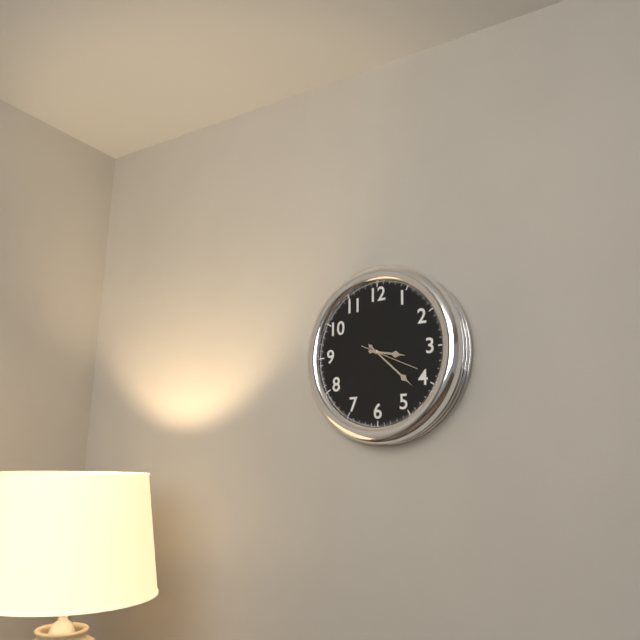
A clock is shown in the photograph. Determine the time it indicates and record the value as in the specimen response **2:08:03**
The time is **3:22:19**
